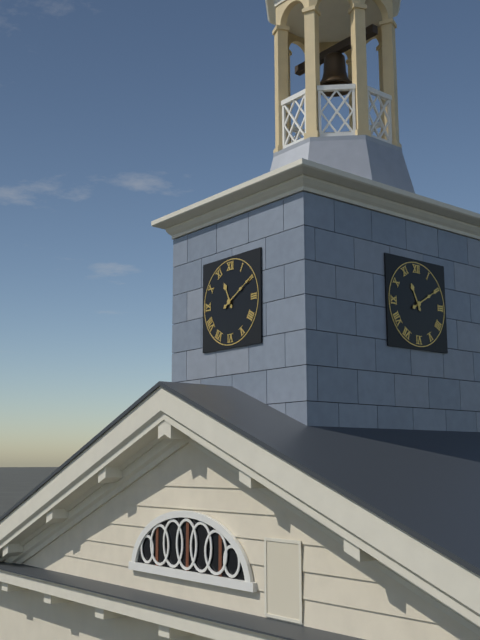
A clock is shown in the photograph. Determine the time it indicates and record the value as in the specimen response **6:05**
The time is **11:10**
